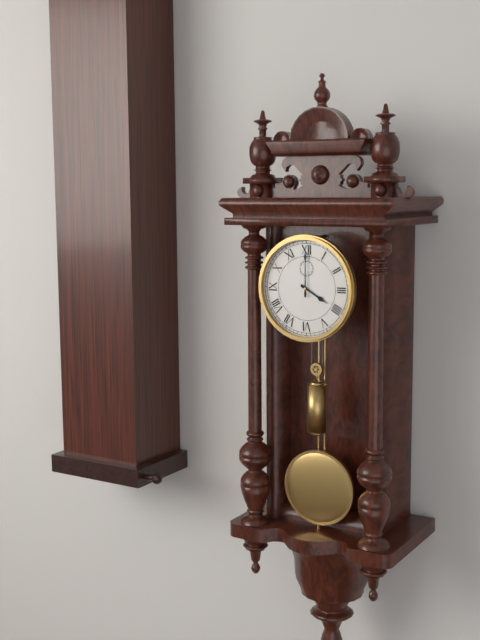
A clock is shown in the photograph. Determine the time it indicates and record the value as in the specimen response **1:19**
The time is **4:00**
